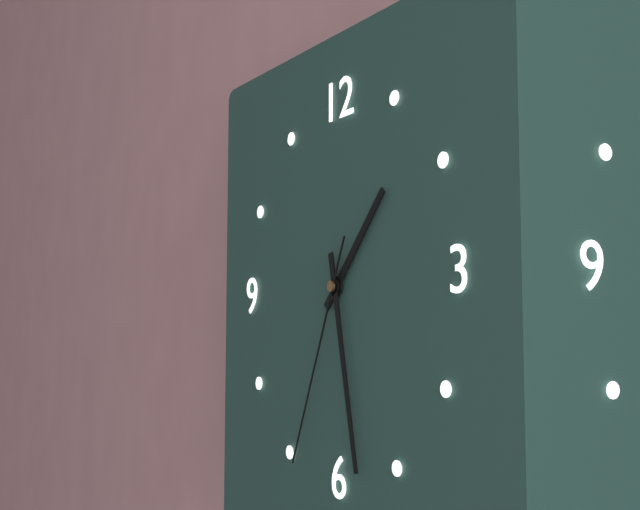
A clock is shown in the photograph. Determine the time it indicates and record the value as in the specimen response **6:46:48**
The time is **1:28:34**
